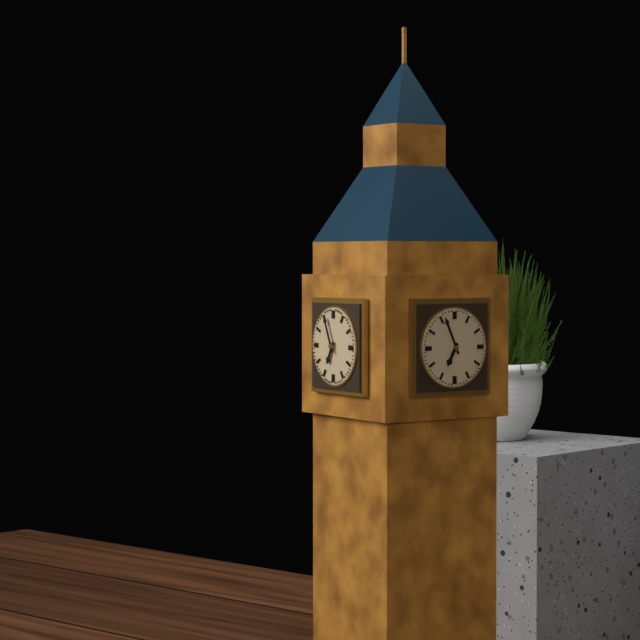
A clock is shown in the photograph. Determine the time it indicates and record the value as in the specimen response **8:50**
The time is **6:56**
